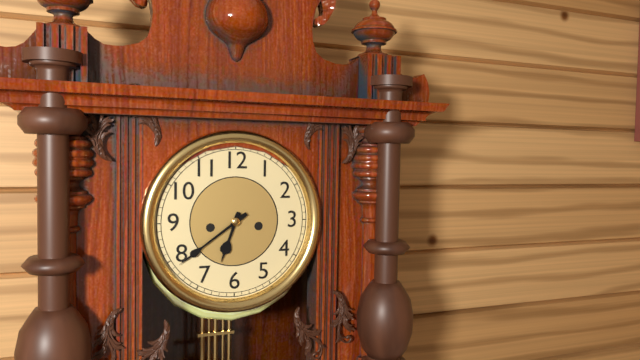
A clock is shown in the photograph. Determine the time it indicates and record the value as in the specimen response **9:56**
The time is **6:39**
